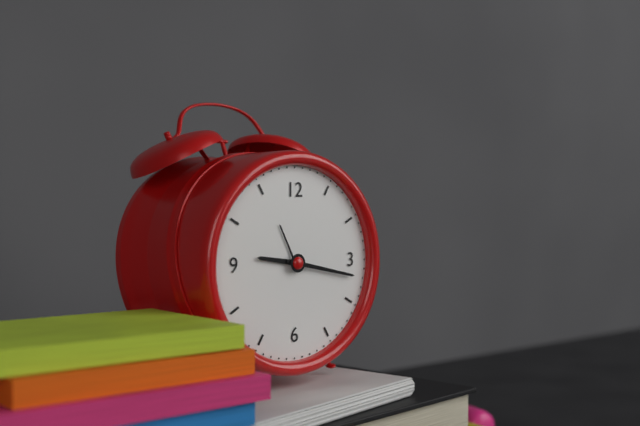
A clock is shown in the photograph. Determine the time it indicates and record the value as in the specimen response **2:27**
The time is **9:17**
